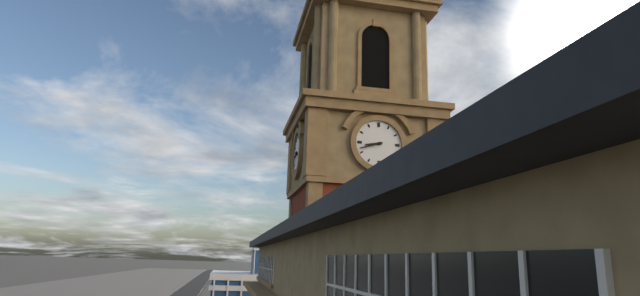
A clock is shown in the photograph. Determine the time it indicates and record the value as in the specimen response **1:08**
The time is **8:42**
